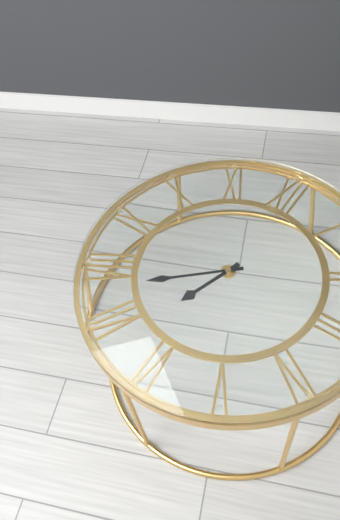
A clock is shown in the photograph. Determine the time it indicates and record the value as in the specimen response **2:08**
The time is **6:38**
